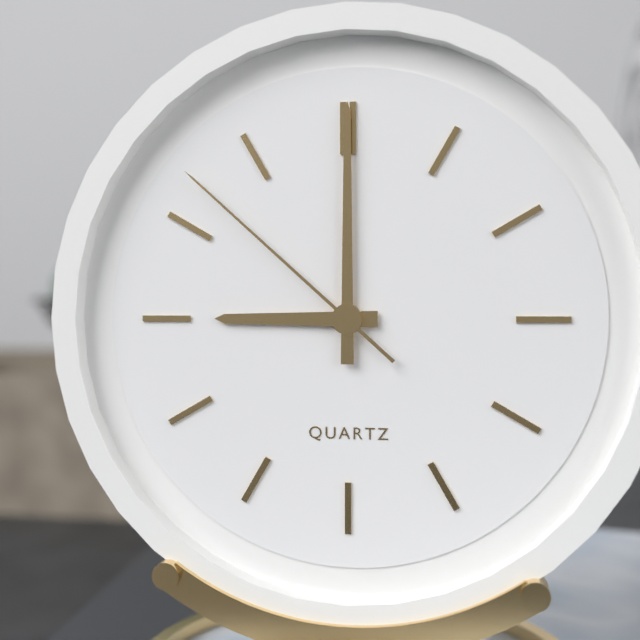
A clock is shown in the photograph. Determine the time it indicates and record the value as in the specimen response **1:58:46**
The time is **9:00:52**
